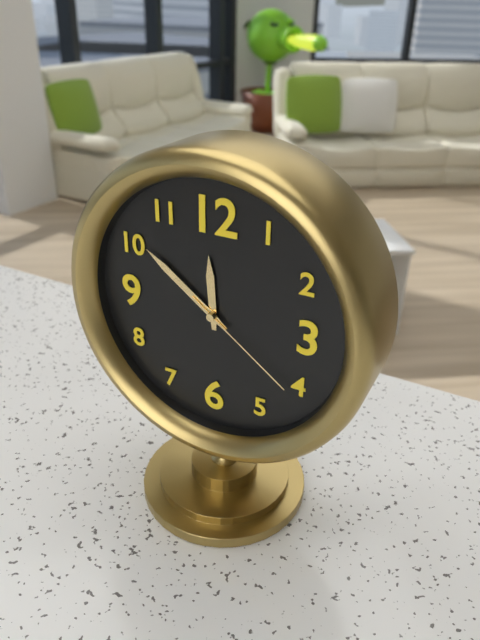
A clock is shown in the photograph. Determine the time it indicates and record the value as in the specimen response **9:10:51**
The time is **11:51:21**
